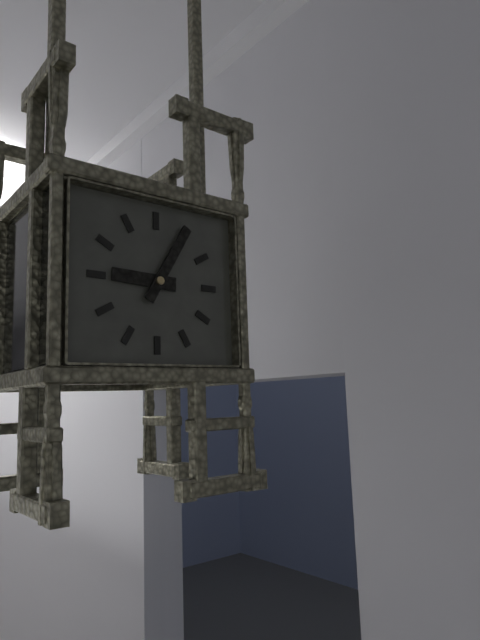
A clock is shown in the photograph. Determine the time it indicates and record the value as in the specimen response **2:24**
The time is **9:05**
